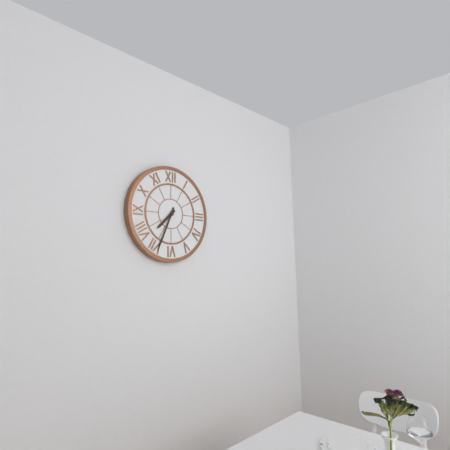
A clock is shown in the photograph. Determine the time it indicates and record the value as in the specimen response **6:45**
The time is **7:34**
